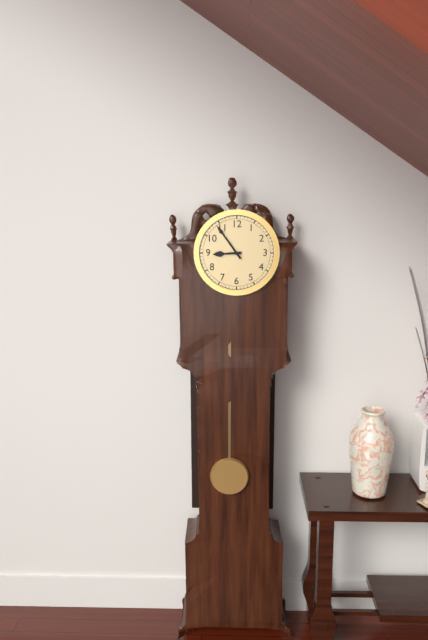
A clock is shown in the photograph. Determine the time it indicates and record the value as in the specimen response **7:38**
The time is **8:54**
